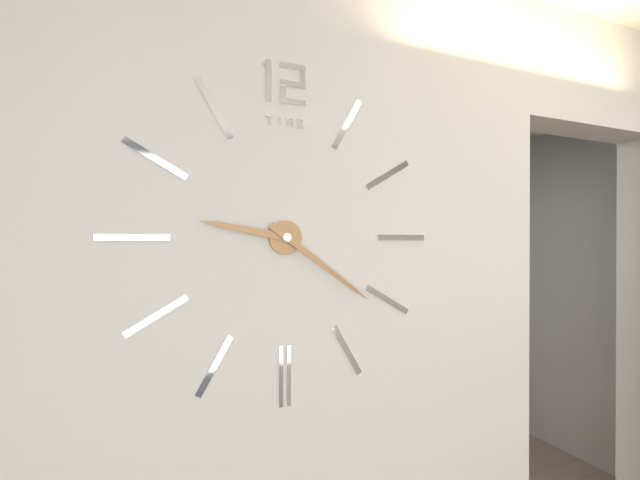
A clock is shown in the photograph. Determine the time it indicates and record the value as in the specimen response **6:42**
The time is **9:21**
